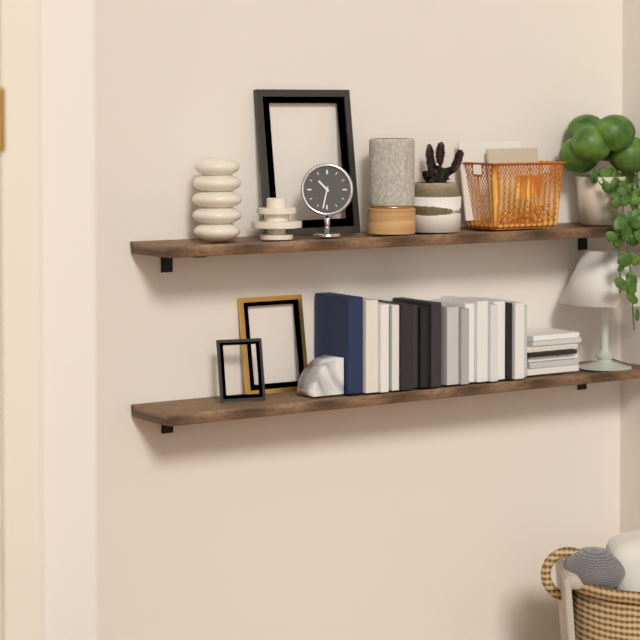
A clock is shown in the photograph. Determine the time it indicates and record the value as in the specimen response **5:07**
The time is **10:32**
